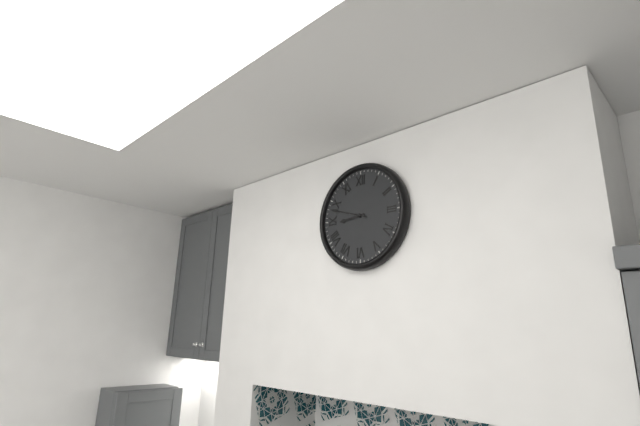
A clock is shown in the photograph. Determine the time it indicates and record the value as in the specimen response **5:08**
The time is **8:48**
